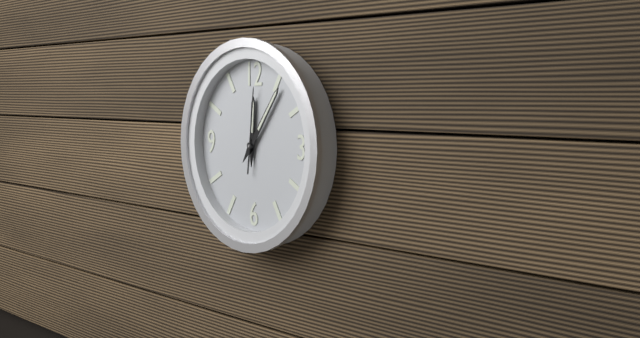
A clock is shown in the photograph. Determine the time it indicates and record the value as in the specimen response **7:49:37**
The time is **12:06:01**
